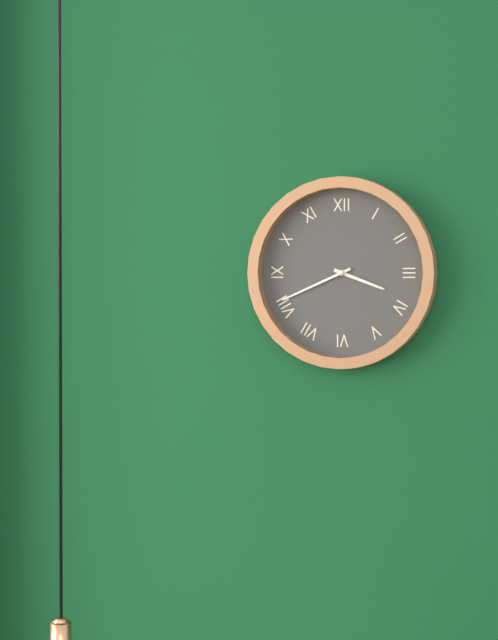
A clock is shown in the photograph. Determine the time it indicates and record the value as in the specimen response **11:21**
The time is **3:41**
